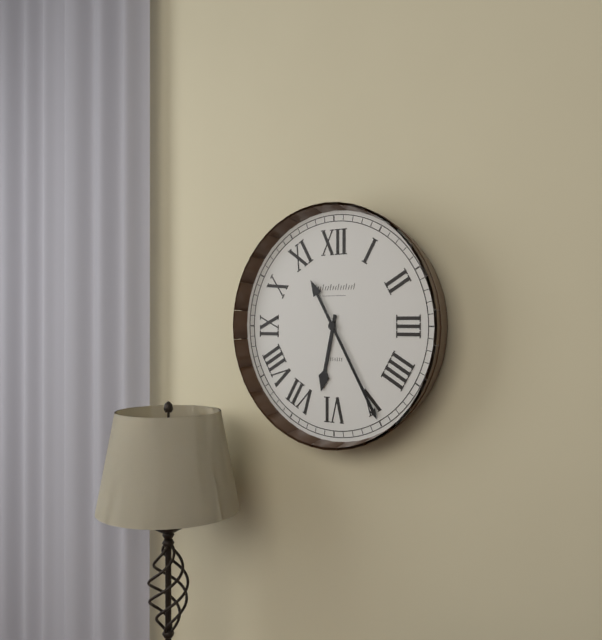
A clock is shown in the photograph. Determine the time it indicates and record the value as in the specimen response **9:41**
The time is **6:25**
